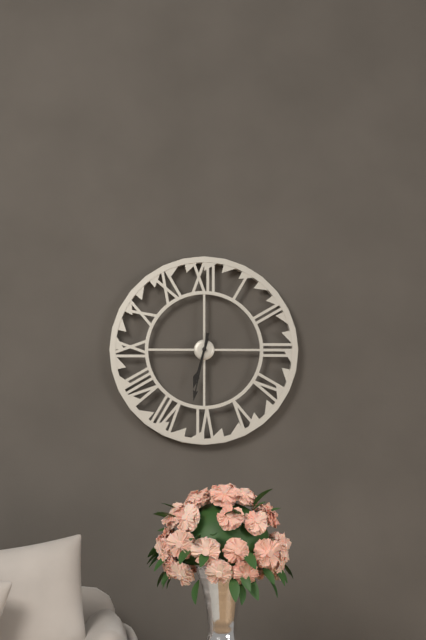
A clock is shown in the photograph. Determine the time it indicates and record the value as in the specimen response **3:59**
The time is **6:32**
